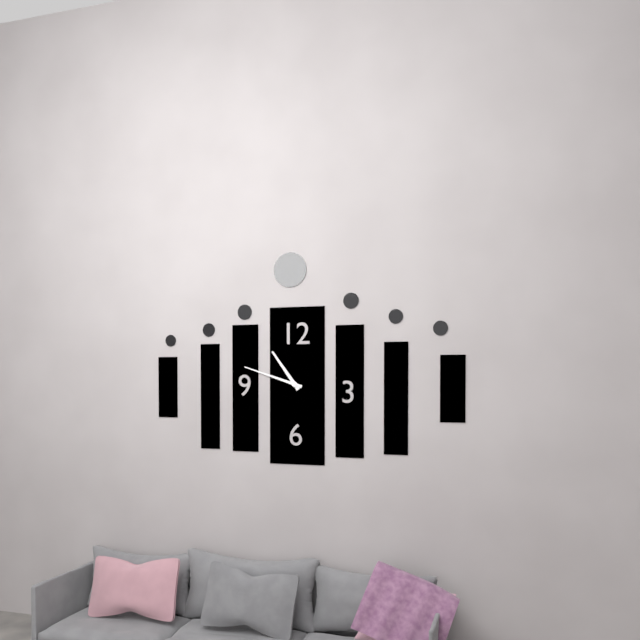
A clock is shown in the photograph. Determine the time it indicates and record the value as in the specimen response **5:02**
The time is **10:48**
